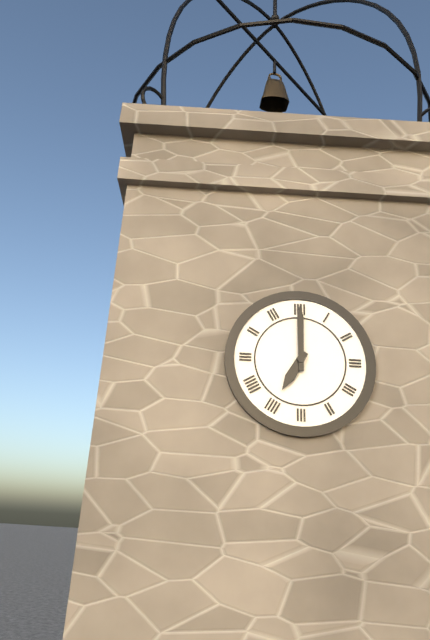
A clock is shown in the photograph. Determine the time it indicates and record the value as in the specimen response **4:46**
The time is **7:00**
